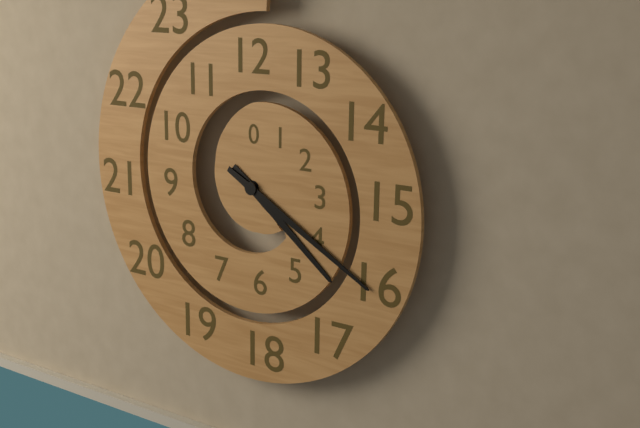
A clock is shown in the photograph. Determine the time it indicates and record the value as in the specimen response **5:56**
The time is **4:20**
